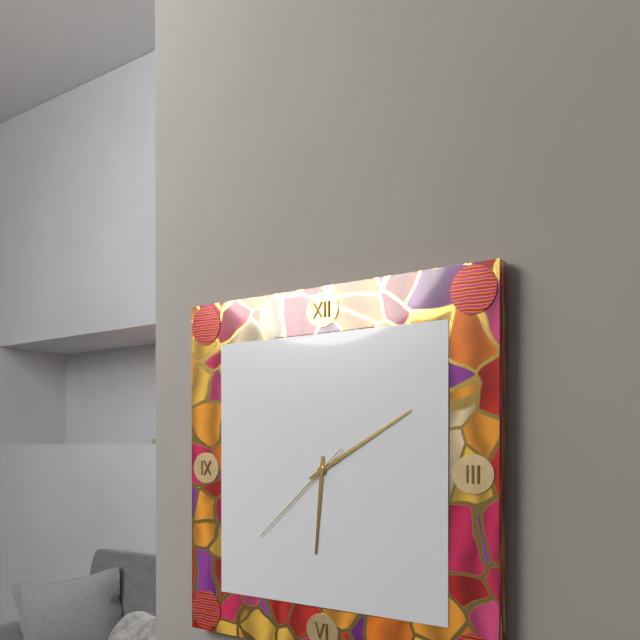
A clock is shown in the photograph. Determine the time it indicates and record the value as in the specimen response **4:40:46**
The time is **6:10:38**
